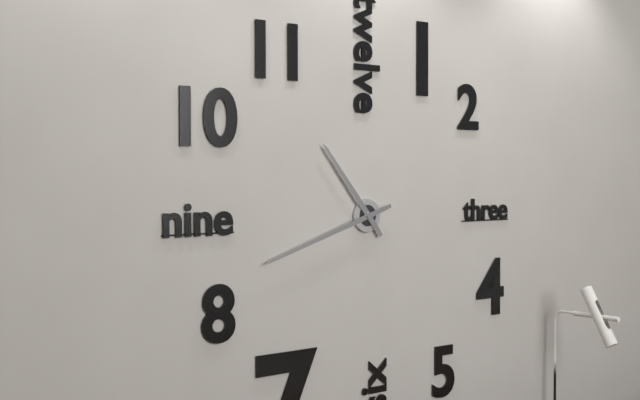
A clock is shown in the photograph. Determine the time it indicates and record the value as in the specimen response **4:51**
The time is **10:42**
